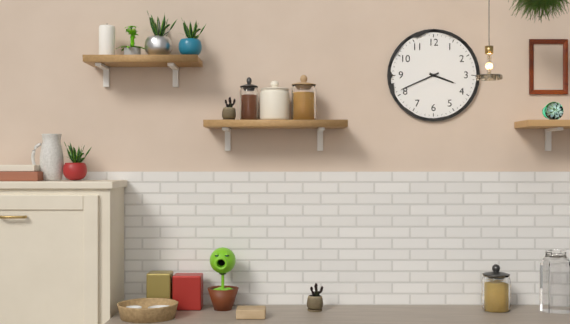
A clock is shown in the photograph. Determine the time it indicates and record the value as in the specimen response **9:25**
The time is **3:41**
